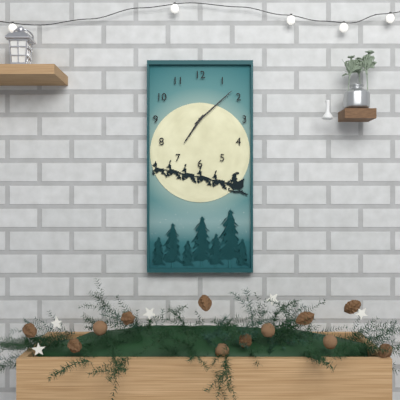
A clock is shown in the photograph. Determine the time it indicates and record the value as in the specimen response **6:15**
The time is **7:08**
